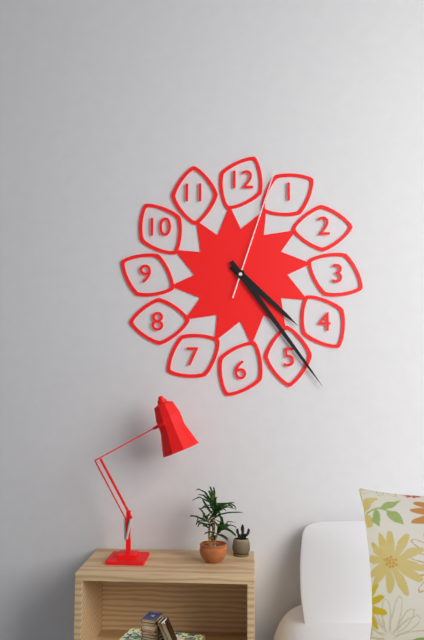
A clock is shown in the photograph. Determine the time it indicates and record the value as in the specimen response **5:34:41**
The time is **4:24:03**
